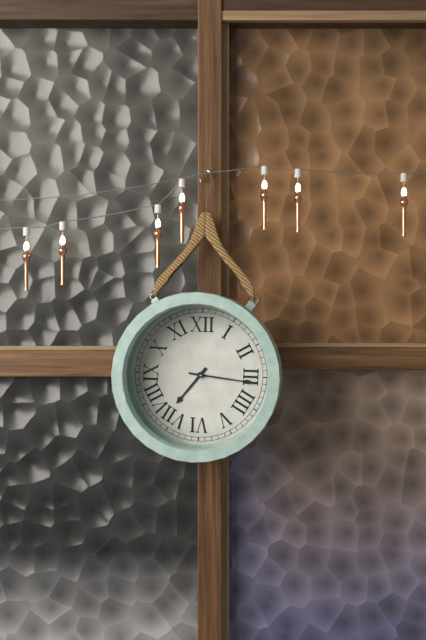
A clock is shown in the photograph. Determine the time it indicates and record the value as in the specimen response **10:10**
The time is **7:16**
